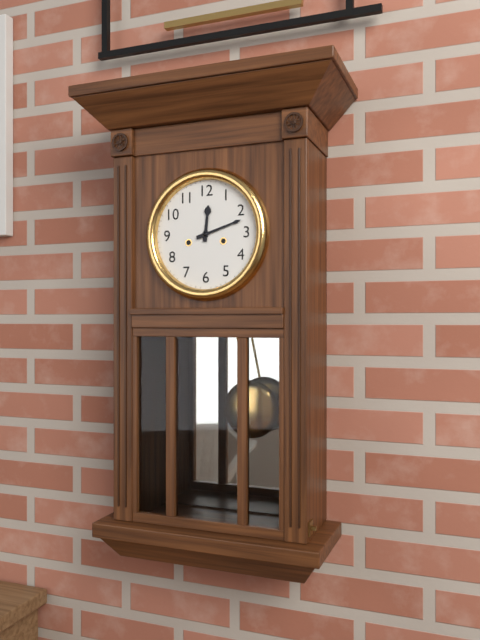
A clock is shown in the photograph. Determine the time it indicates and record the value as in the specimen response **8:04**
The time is **12:12**
